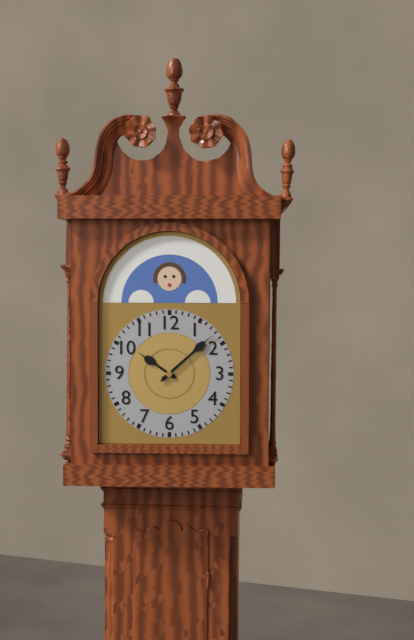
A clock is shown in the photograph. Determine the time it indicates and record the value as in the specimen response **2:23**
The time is **10:08**
